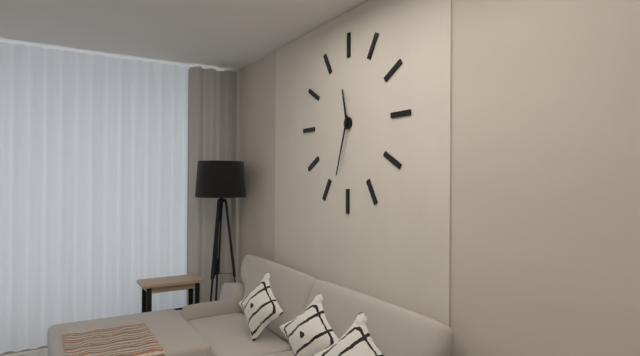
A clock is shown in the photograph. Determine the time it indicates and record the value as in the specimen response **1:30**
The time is **11:33**
